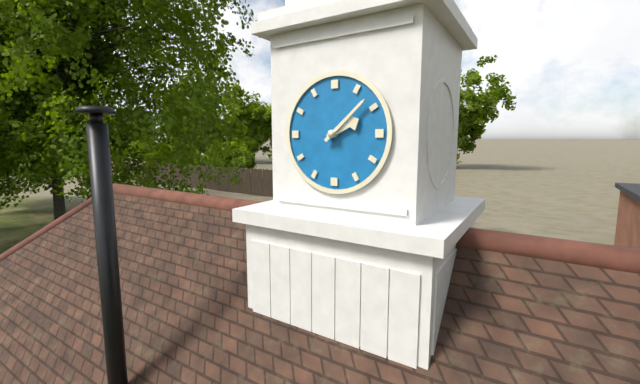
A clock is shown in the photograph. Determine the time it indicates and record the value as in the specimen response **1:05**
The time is **2:08**
